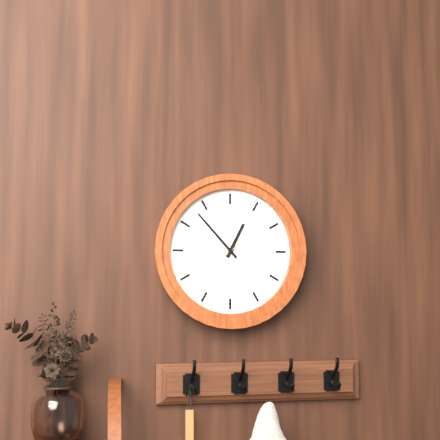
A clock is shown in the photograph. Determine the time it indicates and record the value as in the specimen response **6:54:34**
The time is **12:53:38**
